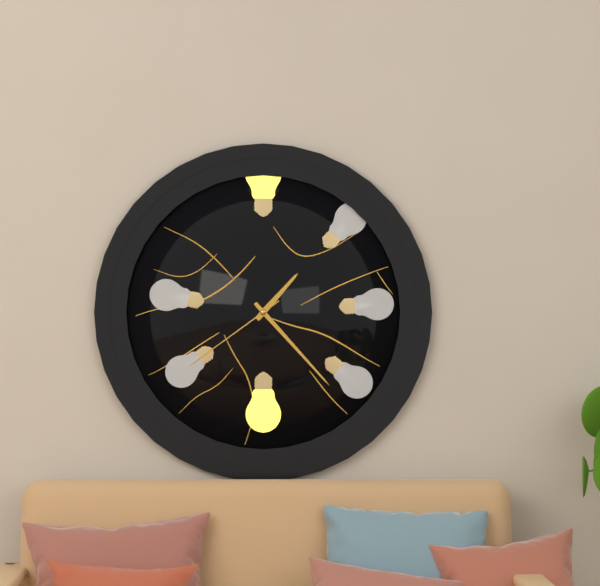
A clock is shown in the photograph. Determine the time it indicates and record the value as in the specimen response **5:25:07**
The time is **1:23:39**
